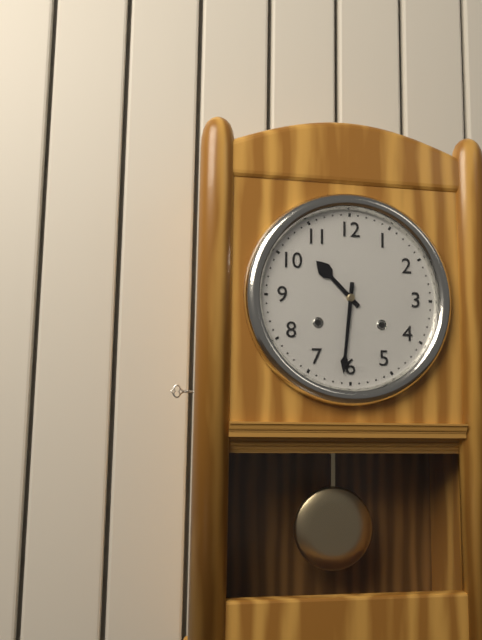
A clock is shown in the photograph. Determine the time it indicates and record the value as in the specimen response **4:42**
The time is **10:31**
